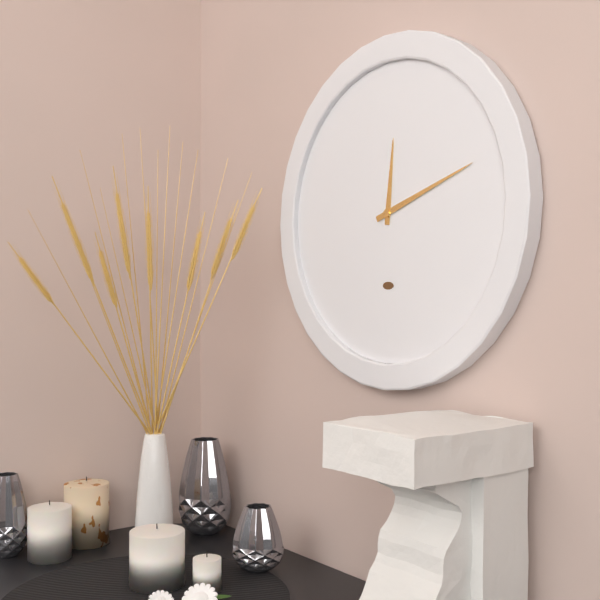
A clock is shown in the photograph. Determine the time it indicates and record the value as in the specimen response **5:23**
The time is **12:12**
